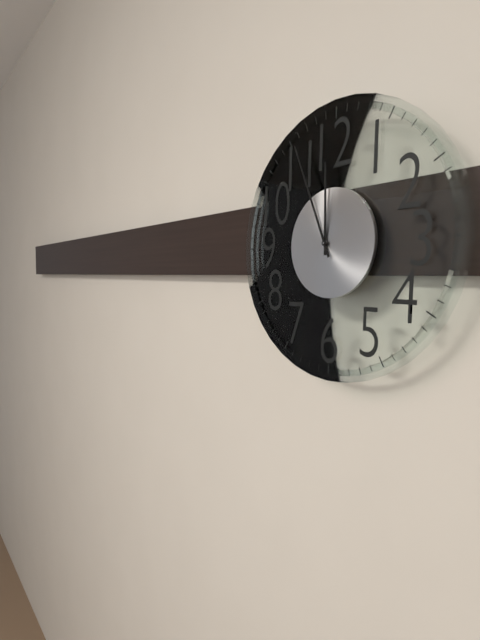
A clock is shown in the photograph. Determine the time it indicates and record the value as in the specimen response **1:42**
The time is **11:56**
